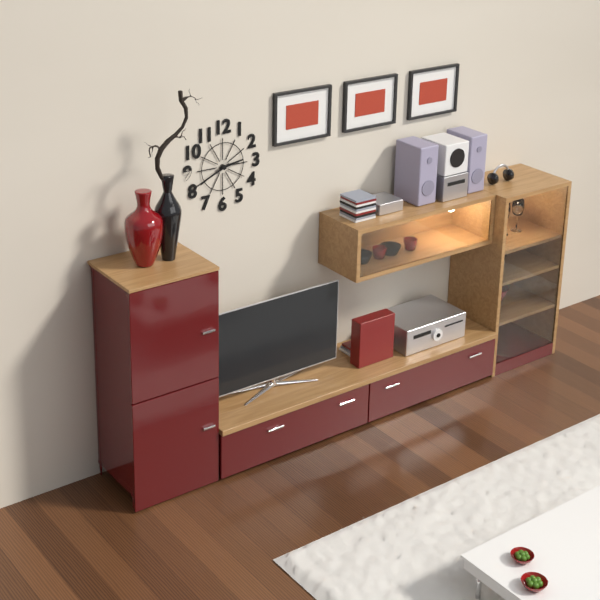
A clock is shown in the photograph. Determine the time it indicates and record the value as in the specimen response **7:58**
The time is **2:41**
